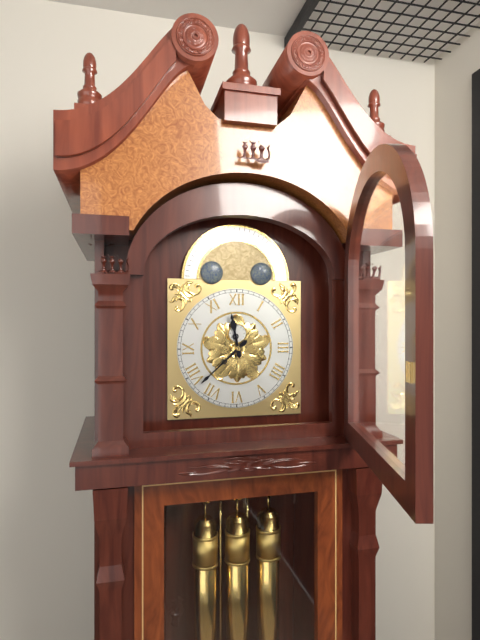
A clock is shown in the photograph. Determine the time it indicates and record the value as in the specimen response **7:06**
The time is **11:38**
